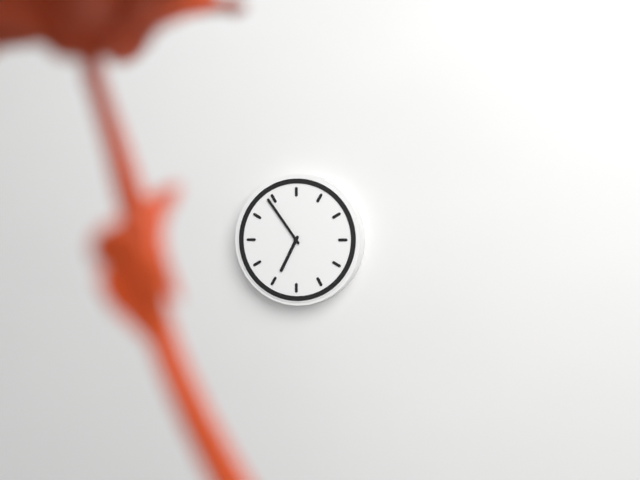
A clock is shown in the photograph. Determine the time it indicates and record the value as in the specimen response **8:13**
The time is **6:54**
